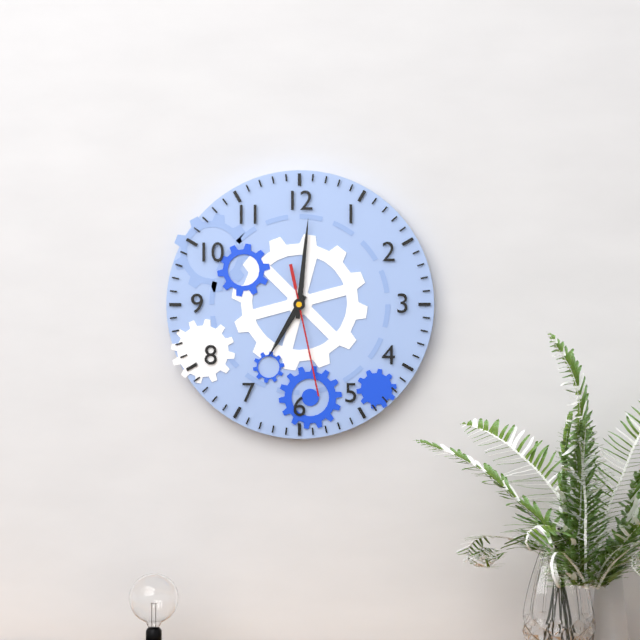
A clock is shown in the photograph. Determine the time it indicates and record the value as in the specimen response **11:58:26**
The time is **7:01:28**
